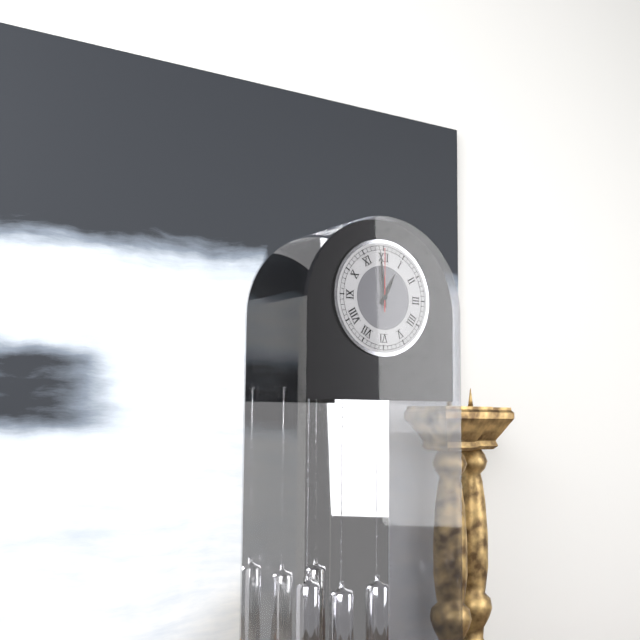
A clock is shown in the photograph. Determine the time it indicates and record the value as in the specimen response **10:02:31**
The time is **12:59:00**
